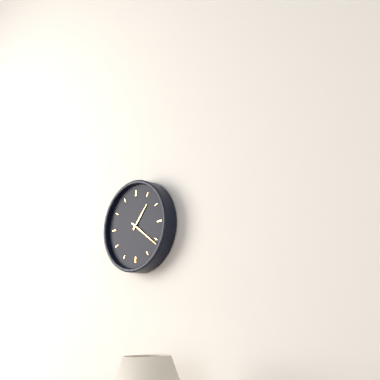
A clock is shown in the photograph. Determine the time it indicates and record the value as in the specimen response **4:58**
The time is **1:21**
